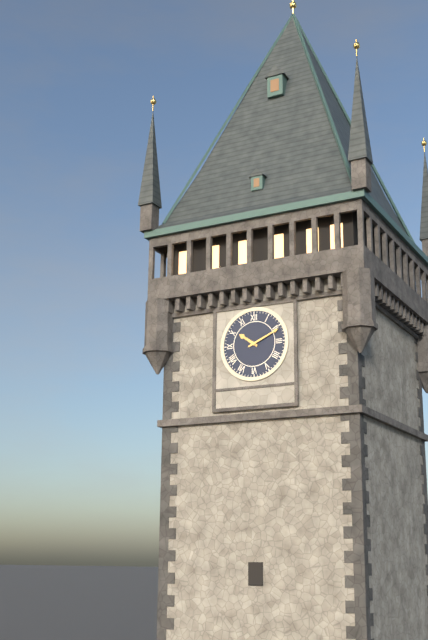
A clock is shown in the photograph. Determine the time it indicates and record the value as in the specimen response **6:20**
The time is **10:11**
